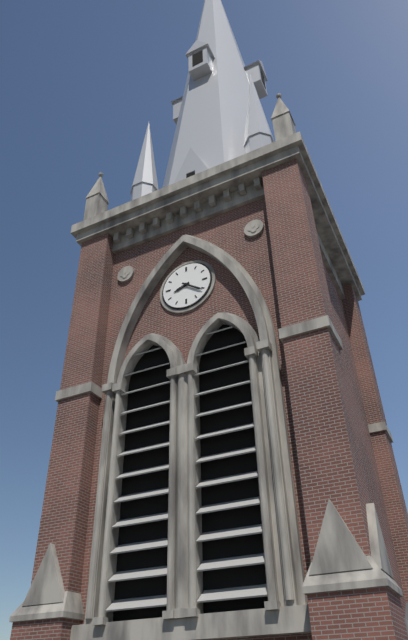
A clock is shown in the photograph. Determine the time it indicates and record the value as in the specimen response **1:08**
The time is **8:21**
